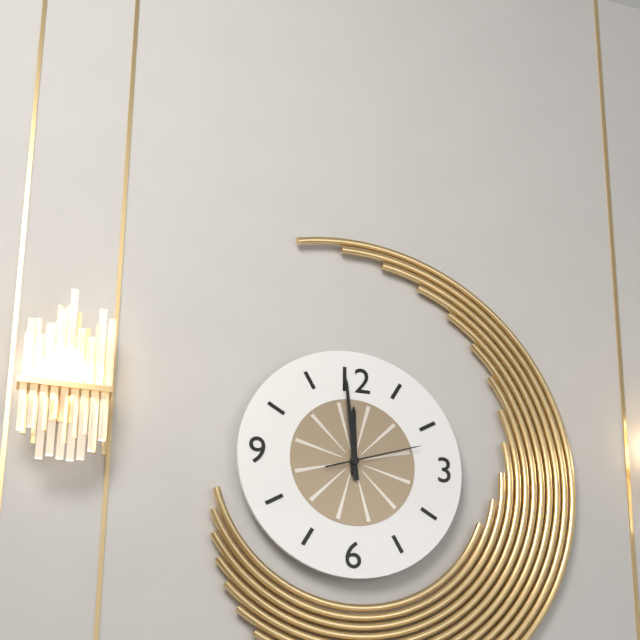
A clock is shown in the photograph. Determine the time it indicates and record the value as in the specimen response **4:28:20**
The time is **11:59:12**
